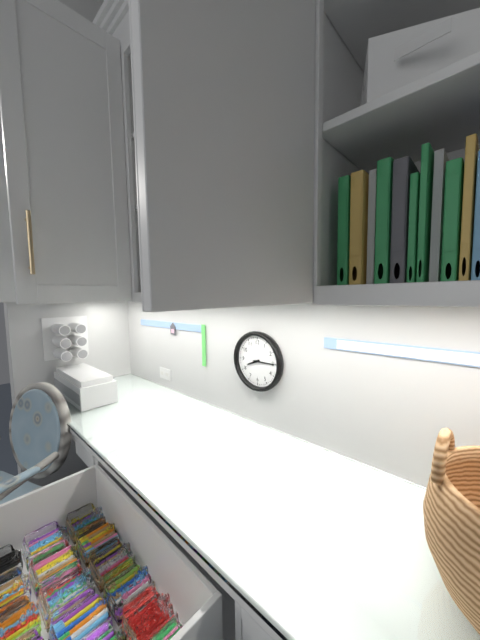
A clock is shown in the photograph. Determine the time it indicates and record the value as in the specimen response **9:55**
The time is **8:15**
